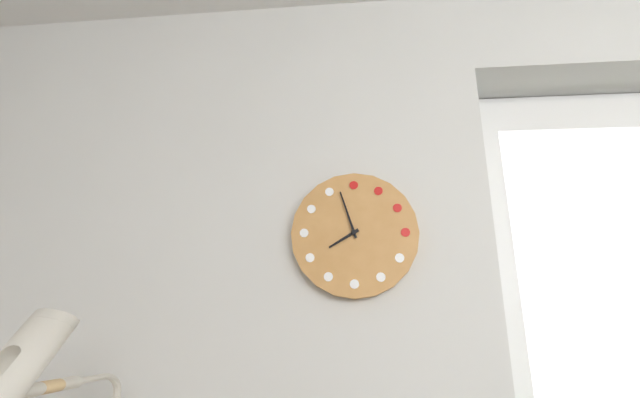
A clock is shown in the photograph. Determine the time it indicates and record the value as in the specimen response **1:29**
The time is **7:57**
